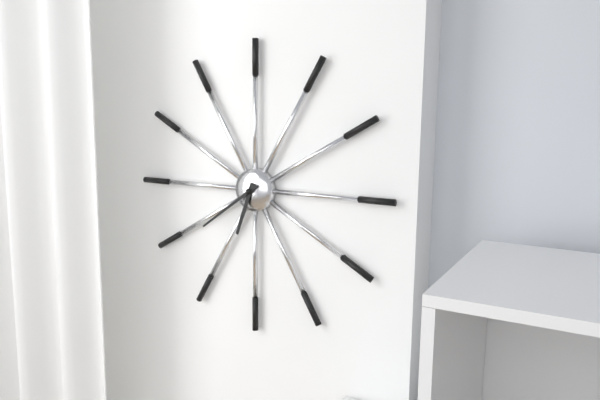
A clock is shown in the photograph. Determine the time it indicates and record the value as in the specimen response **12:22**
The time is **6:39**
